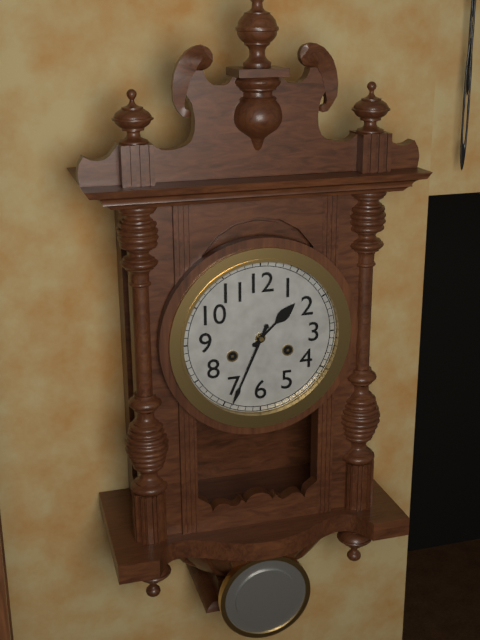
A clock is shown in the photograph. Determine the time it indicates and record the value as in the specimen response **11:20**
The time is **1:34**
